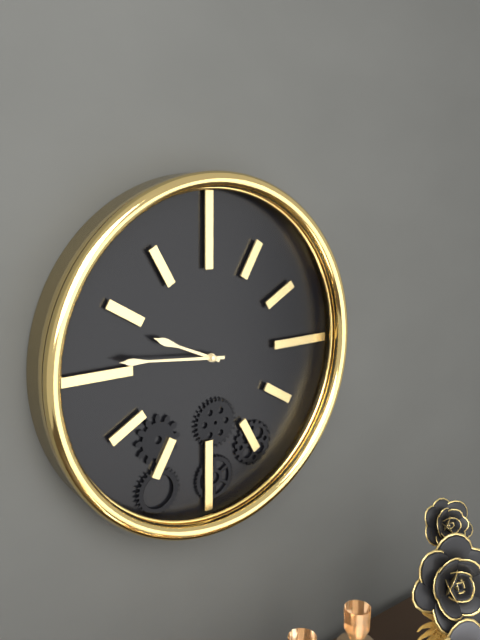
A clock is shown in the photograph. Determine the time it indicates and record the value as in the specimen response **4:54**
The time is **9:46**
